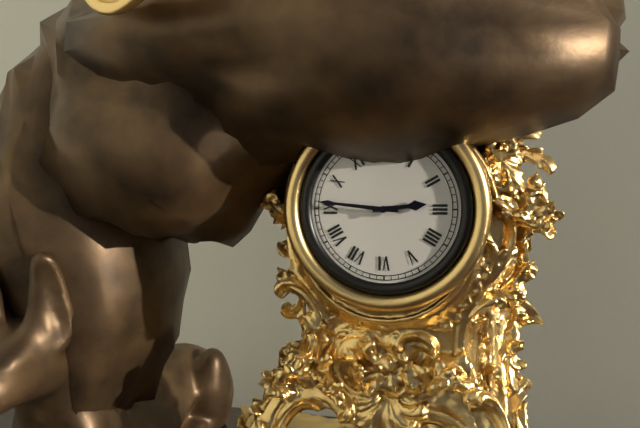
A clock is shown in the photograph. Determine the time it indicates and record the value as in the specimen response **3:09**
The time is **2:46**
